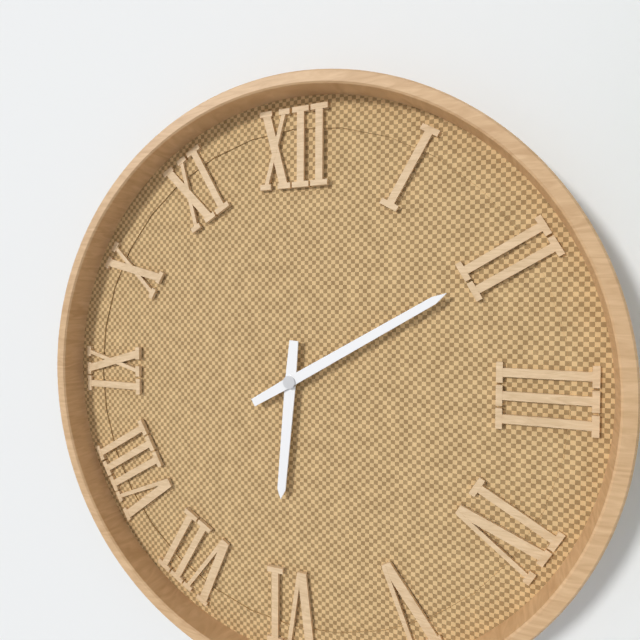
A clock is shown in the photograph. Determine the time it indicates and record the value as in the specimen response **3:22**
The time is **6:10**
